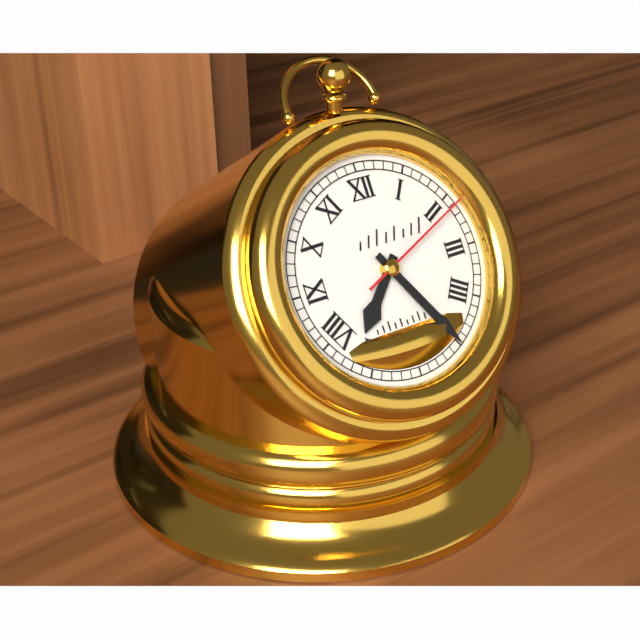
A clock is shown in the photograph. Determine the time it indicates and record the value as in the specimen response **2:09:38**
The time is **7:25:11**
